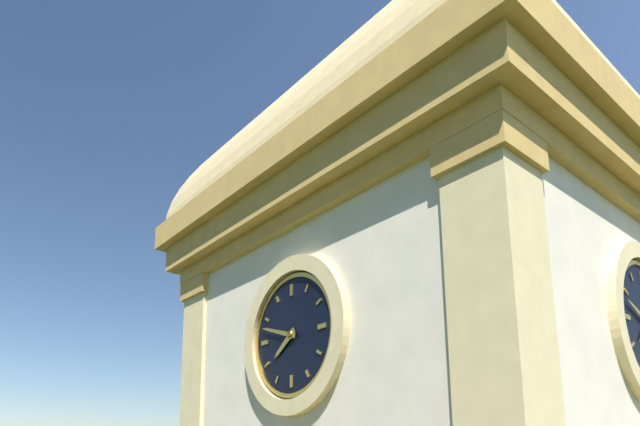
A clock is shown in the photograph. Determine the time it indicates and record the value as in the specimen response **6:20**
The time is **7:48**
